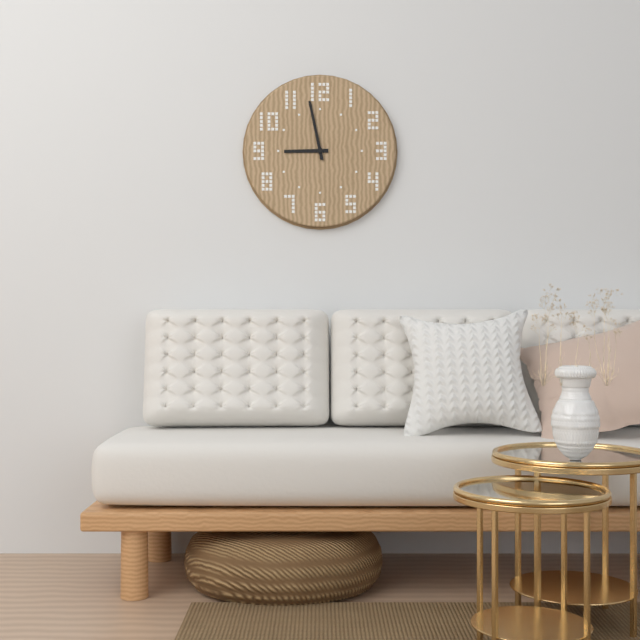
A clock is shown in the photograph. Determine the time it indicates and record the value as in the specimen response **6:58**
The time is **8:58**
